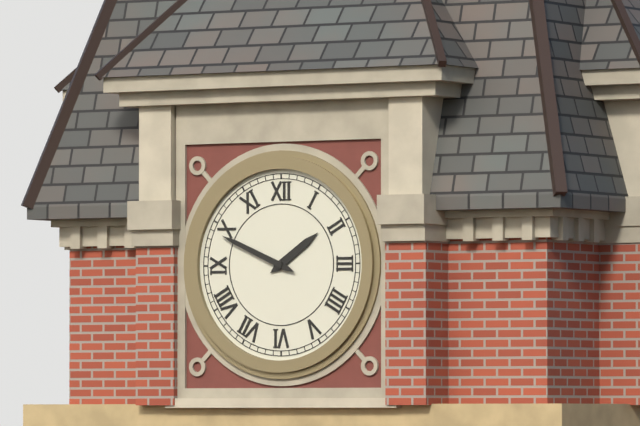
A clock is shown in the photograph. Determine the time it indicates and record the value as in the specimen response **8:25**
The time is **1:49**
